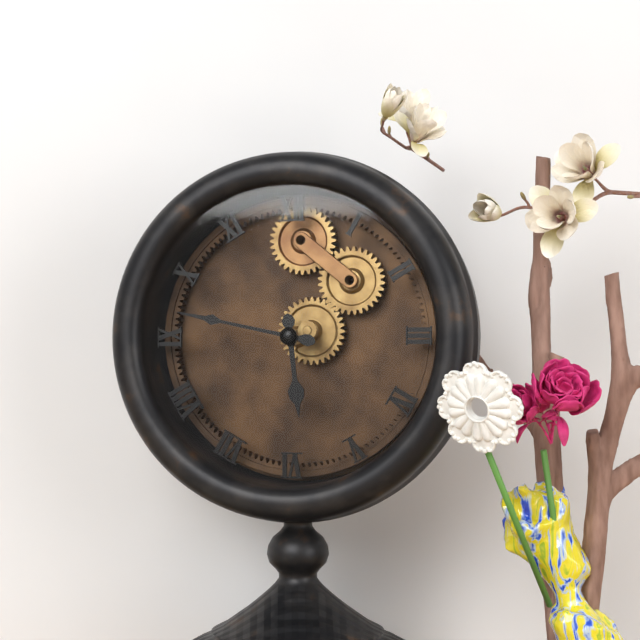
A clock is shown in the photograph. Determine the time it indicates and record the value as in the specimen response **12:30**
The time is **5:47**
